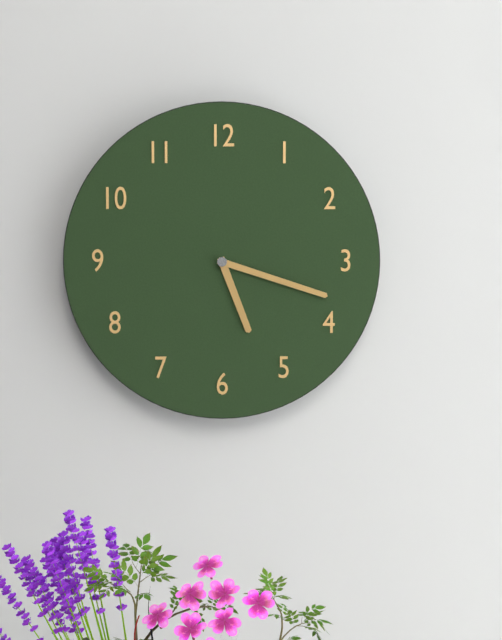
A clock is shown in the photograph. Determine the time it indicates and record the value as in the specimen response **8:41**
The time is **5:18**
